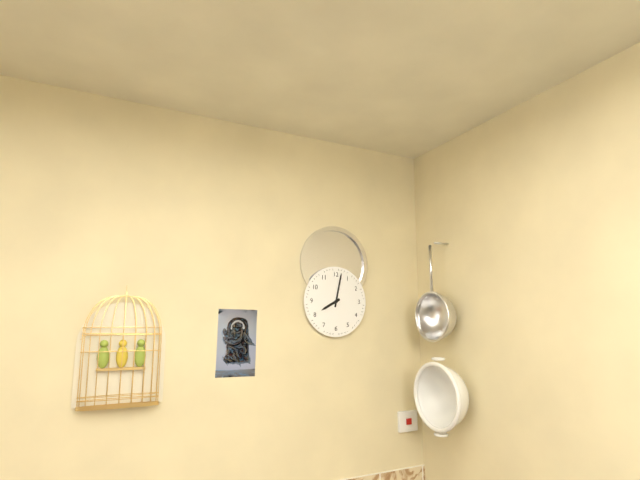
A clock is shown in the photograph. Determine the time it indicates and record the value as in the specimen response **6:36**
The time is **8:02**
